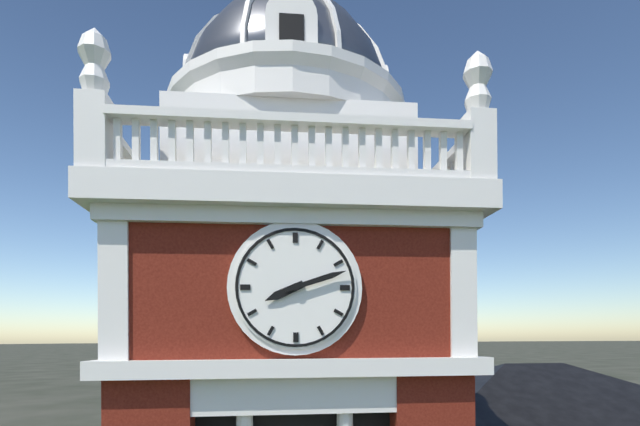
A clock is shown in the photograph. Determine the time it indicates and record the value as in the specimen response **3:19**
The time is **8:12**
